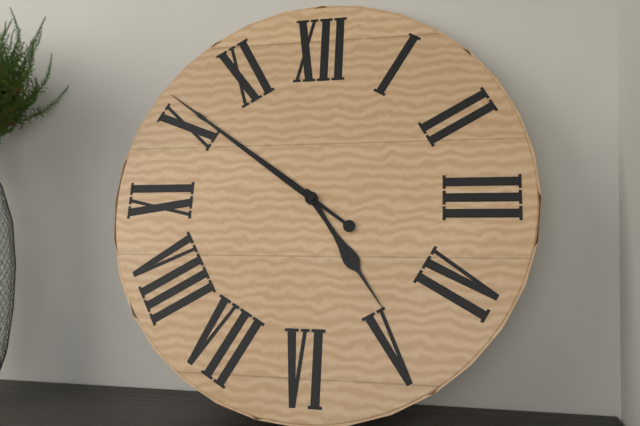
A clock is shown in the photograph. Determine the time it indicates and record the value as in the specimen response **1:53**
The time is **4:51**
